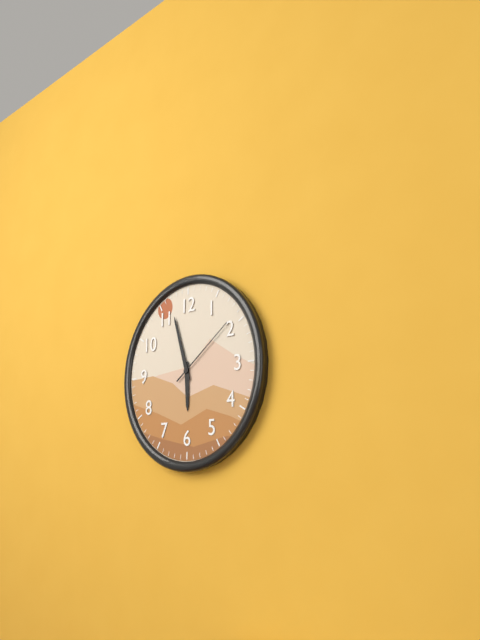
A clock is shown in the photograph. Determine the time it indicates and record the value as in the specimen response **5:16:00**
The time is **5:57:09**
